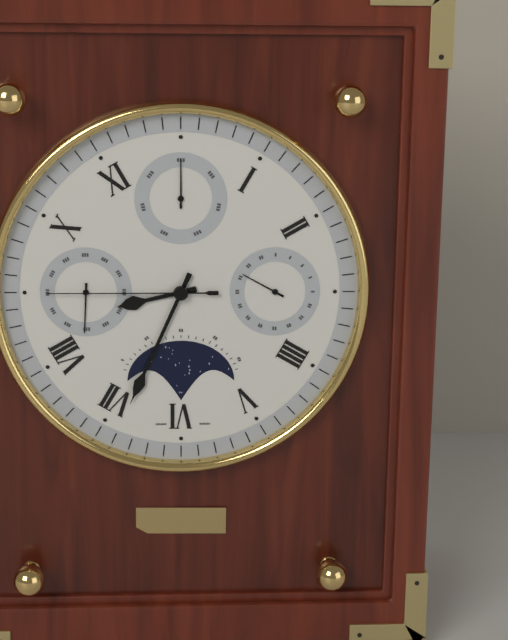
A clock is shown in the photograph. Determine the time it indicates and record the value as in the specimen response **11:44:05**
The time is **8:34:45**
